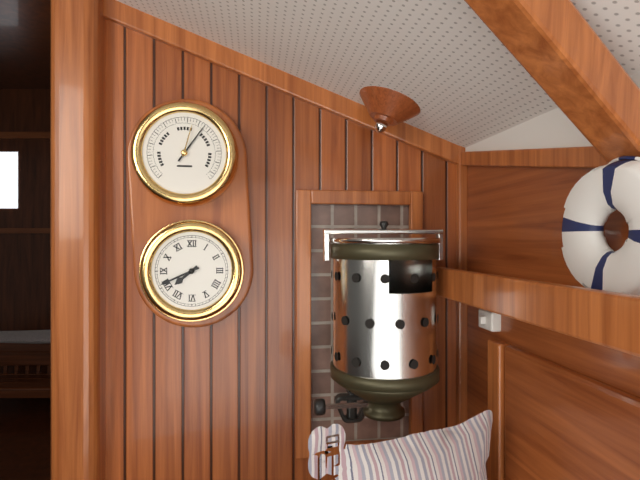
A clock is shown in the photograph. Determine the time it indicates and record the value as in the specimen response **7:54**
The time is **7:41**
